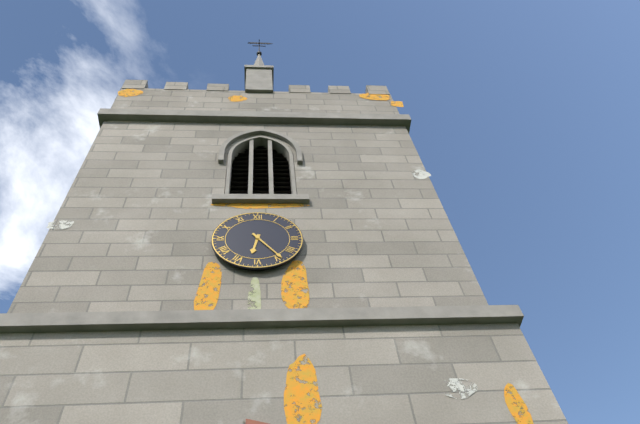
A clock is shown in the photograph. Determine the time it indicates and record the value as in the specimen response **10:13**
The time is **6:24**
